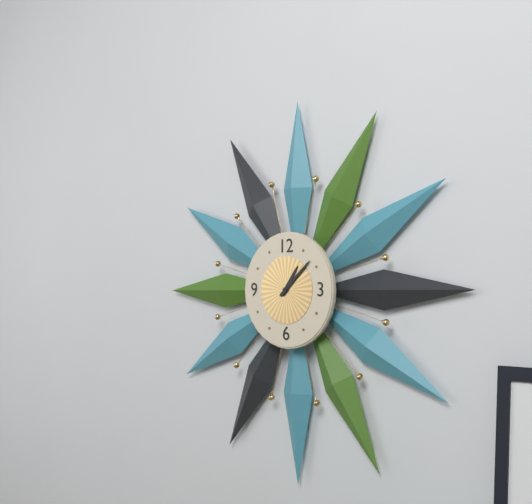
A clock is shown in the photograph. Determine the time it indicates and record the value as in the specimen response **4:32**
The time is **1:08**
